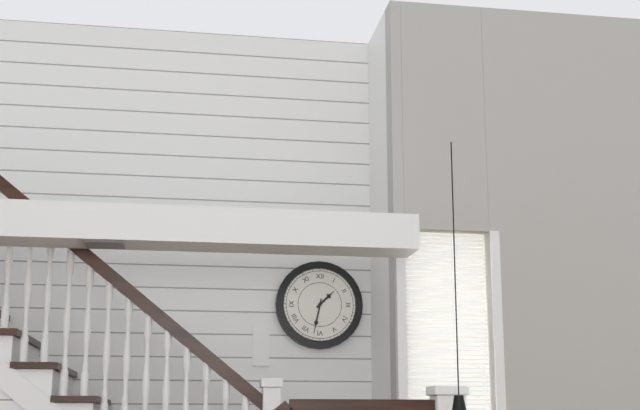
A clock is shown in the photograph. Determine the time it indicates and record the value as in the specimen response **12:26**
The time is **1:32**
